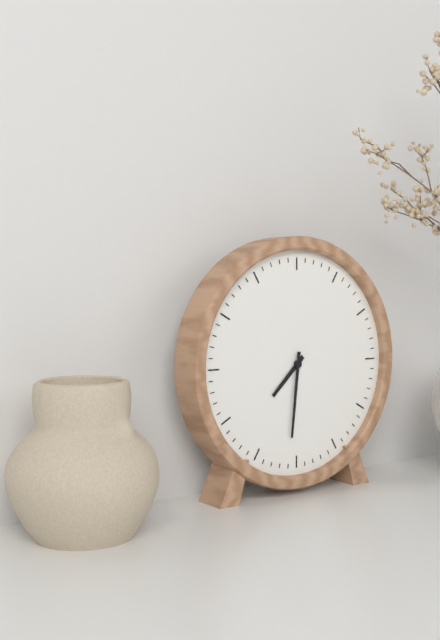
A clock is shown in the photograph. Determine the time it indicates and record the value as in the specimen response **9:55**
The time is **7:31**
